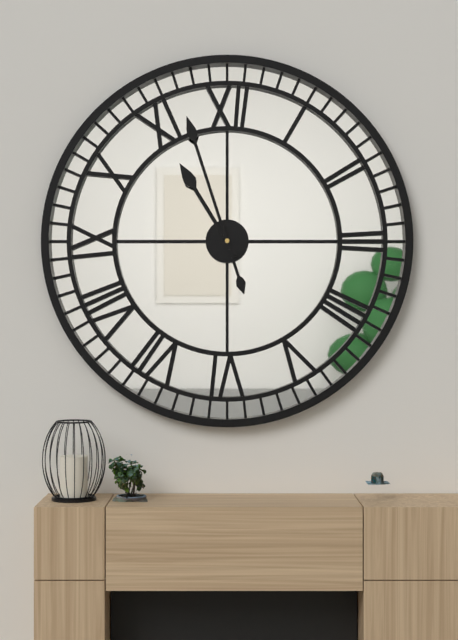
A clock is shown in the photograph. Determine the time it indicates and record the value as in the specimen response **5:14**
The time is **10:57**
